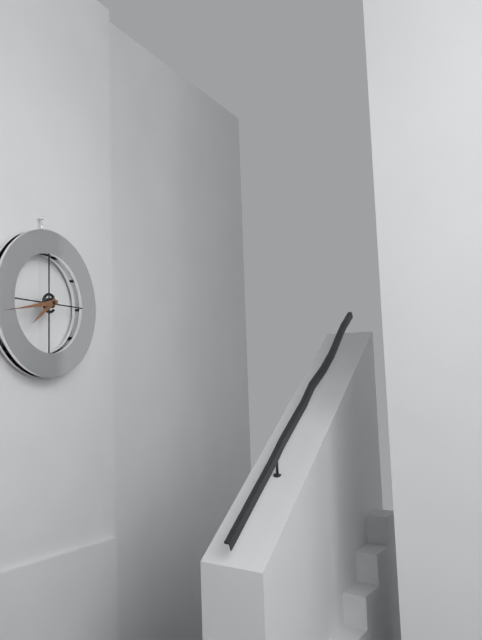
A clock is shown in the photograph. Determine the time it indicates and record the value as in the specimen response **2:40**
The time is **7:43**
